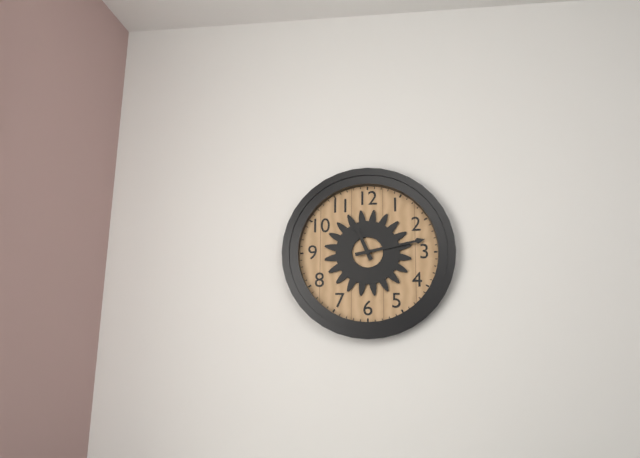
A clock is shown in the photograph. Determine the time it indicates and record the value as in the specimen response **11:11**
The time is **11:13**
